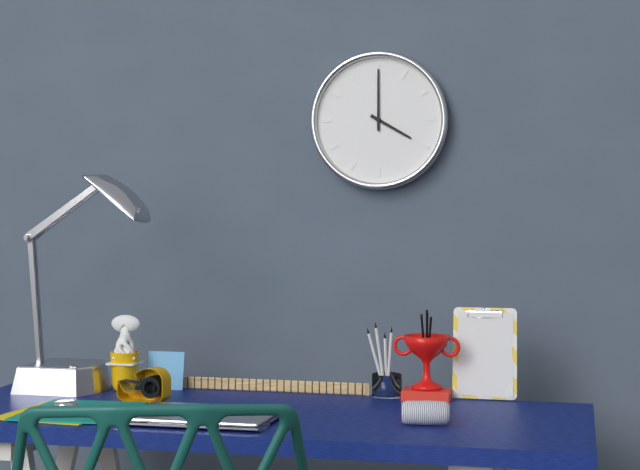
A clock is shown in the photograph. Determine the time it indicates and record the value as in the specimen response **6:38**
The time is **4:00**
